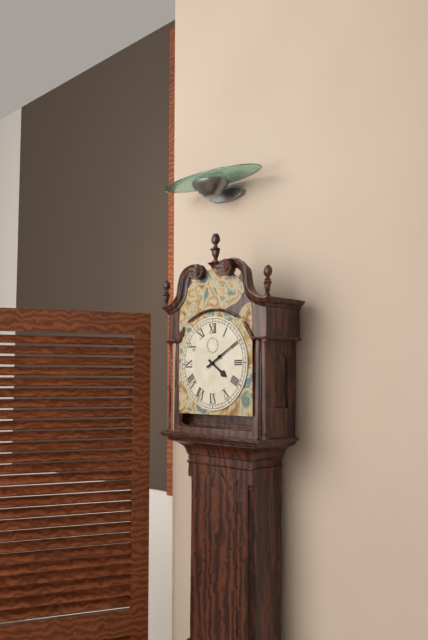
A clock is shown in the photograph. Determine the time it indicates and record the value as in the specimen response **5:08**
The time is **4:10**
